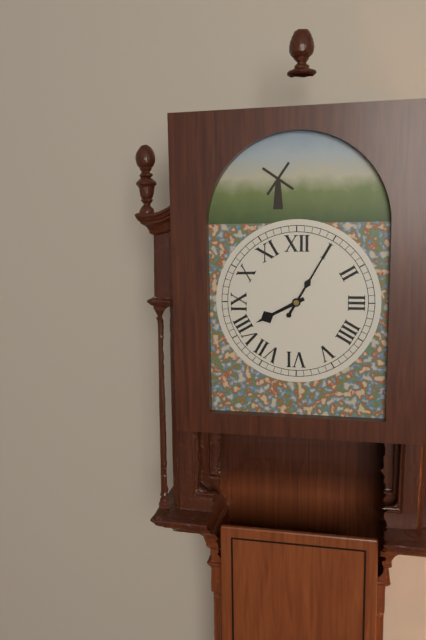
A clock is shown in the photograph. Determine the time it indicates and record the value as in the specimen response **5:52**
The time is **8:05**
